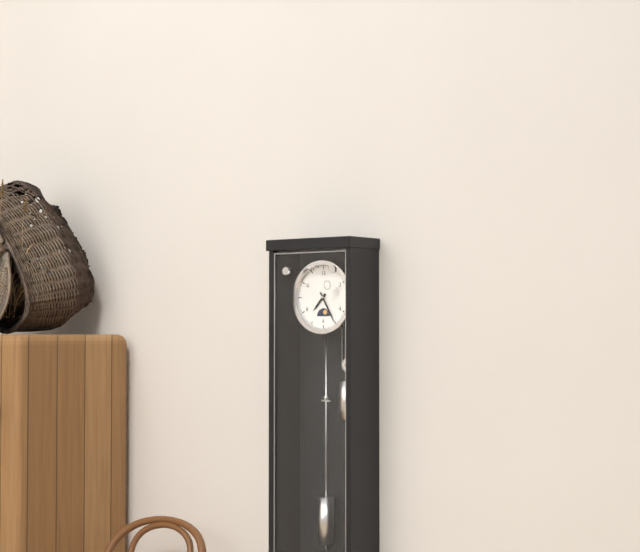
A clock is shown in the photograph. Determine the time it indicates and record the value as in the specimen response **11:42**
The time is **7:25**
